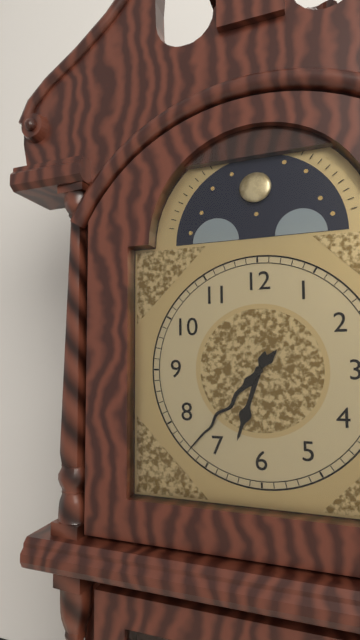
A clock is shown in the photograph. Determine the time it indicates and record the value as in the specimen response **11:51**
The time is **6:37**
